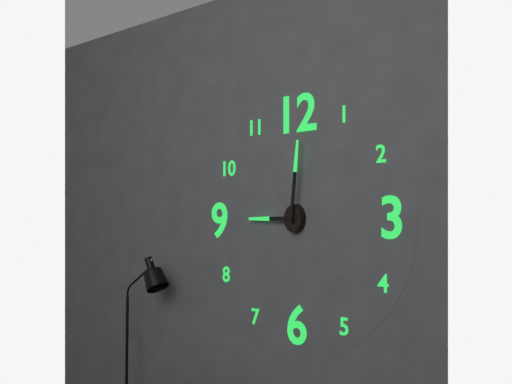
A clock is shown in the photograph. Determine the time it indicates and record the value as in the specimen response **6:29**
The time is **9:01**
